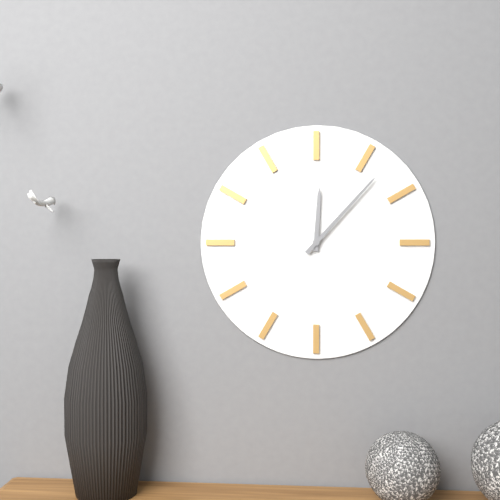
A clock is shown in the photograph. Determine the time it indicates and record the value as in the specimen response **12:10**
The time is **12:07**
